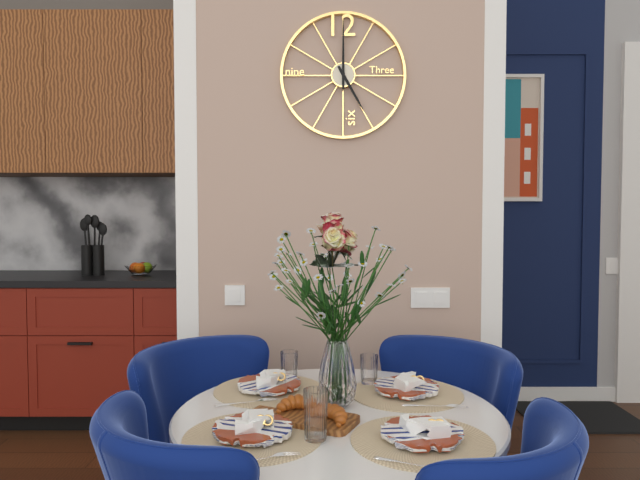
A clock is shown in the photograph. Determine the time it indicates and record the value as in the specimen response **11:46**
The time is **5:00**
